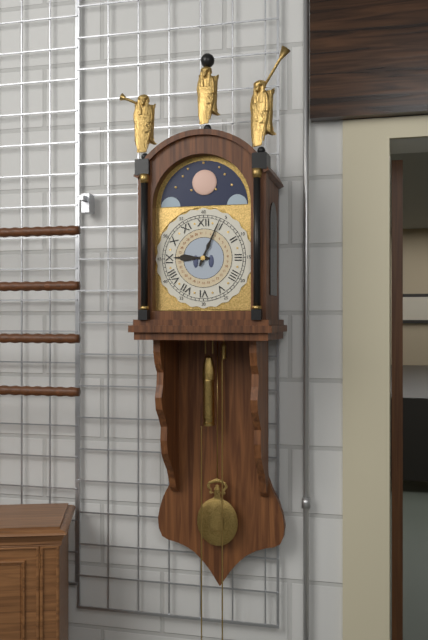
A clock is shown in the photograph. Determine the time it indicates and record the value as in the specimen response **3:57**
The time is **9:04**
